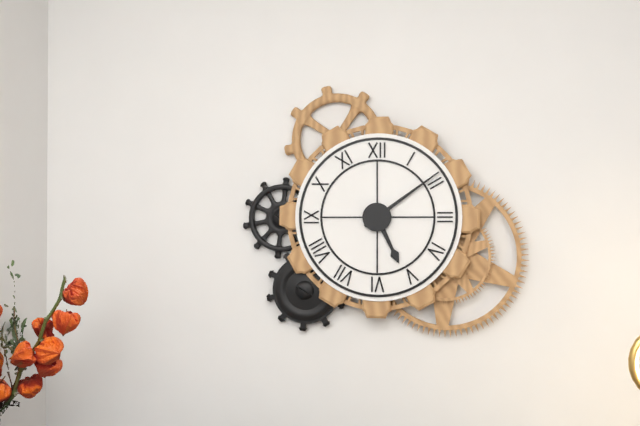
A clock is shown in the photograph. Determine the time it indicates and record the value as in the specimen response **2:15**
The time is **5:09**
